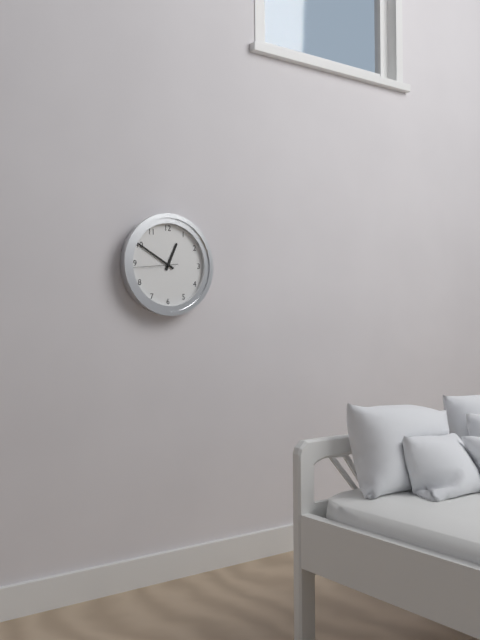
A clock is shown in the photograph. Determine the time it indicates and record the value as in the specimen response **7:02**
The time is **12:50**
